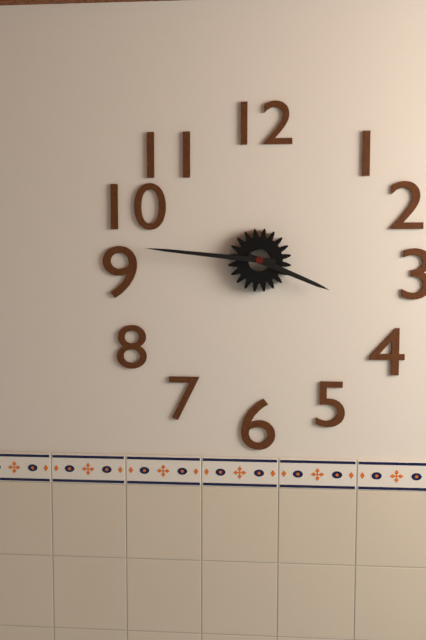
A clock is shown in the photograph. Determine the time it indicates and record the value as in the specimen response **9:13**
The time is **3:46**
